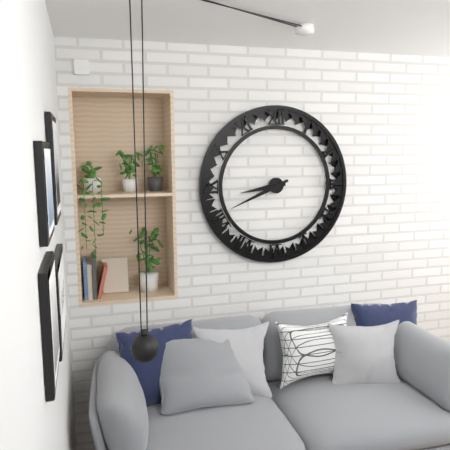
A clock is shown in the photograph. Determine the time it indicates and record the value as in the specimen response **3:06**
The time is **8:41**
